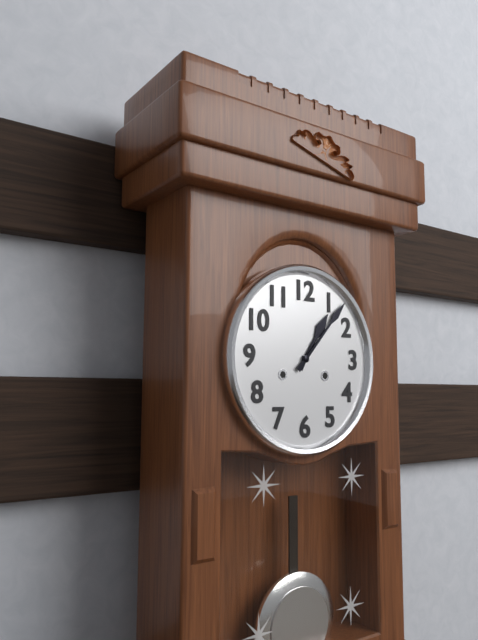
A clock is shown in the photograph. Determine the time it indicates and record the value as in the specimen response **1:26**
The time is **1:07**
